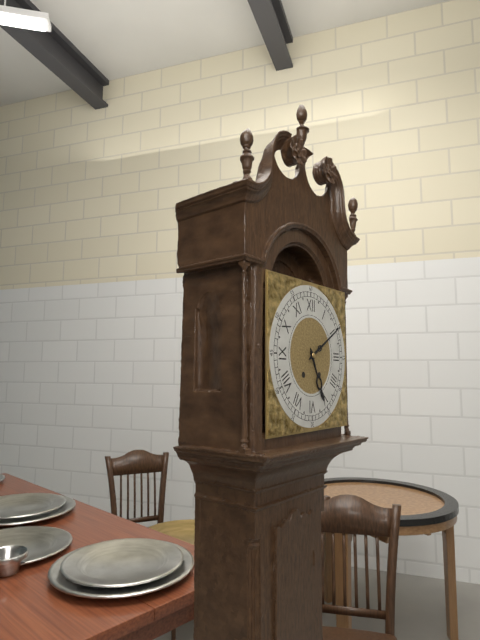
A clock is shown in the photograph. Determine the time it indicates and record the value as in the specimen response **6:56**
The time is **5:10**
